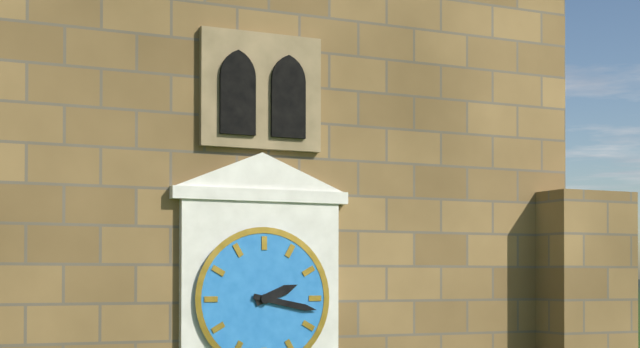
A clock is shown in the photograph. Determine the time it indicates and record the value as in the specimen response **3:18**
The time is **2:17**
